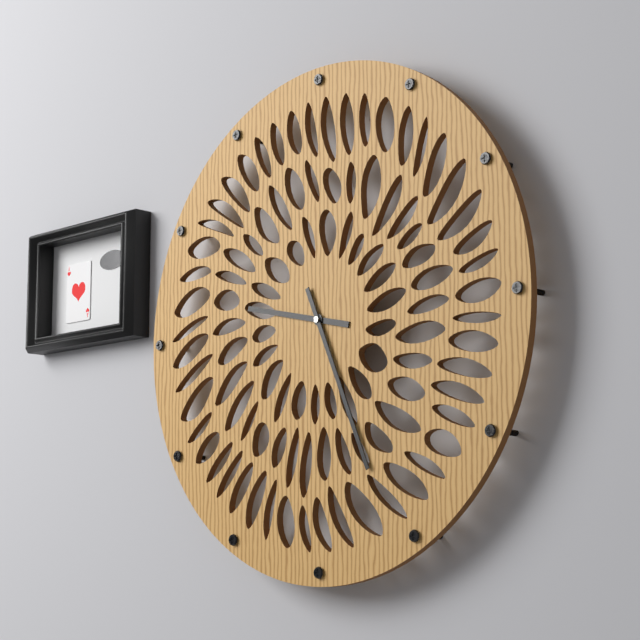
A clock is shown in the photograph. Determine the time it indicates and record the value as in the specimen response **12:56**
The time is **9:26**
